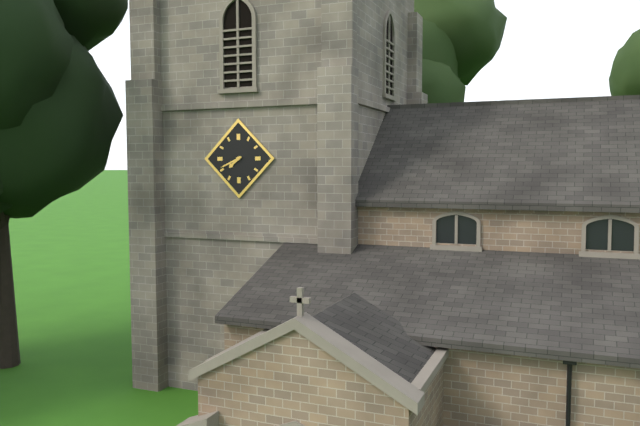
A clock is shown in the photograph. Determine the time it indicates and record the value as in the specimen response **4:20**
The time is **7:41**
